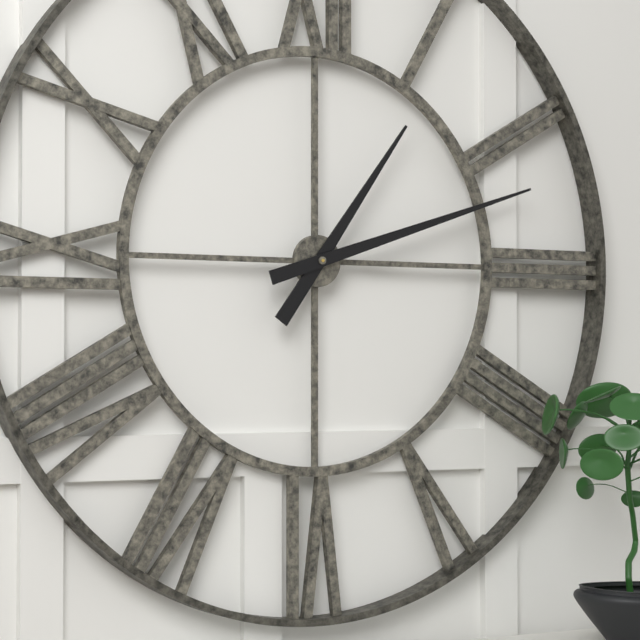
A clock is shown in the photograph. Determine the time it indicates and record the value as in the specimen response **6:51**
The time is **1:12**
